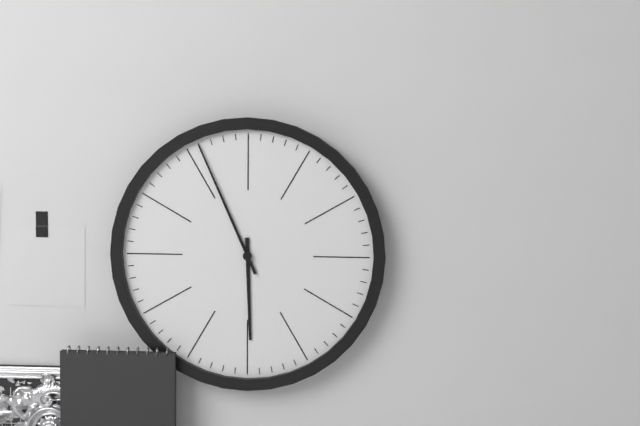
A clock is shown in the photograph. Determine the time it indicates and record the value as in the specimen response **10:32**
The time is **5:56**
